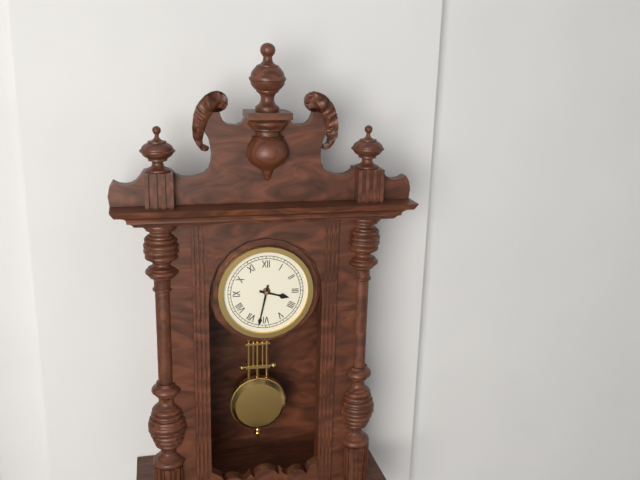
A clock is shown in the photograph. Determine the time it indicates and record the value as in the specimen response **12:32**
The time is **3:32**
